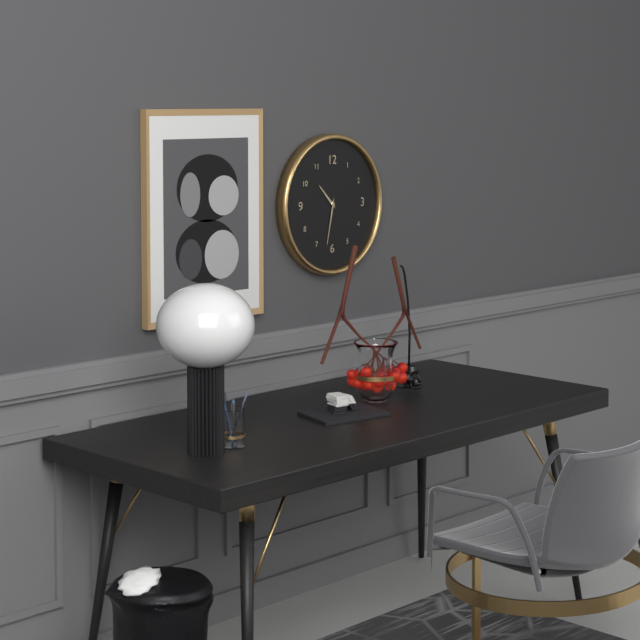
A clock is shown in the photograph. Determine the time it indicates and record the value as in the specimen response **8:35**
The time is **10:32**
